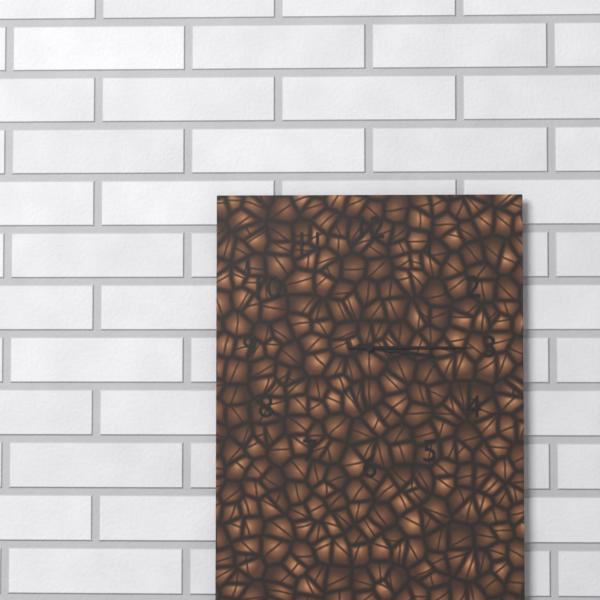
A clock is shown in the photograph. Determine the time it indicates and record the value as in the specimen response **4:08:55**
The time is **3:15:15**
